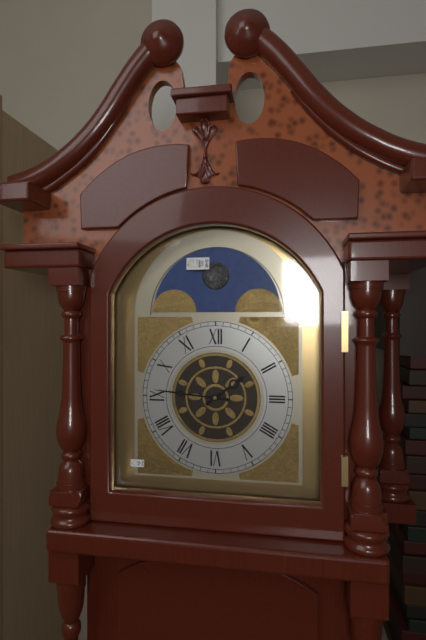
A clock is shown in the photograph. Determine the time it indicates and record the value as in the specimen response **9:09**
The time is **1:46**
